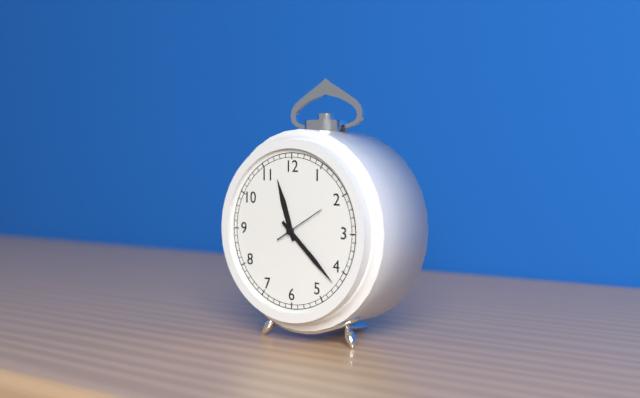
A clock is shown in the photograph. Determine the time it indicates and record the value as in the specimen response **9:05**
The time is **11:22**
